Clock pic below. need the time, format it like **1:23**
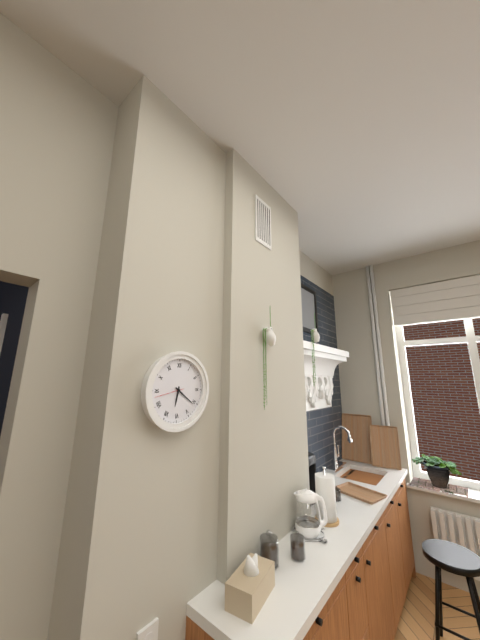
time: **6:21**
